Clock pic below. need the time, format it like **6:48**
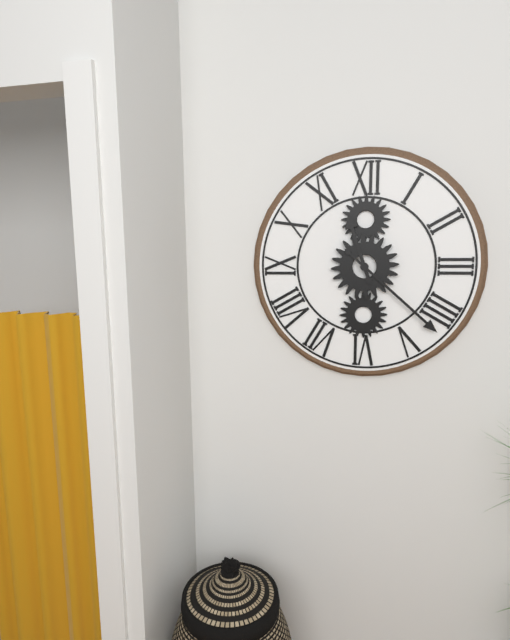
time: **11:22**
